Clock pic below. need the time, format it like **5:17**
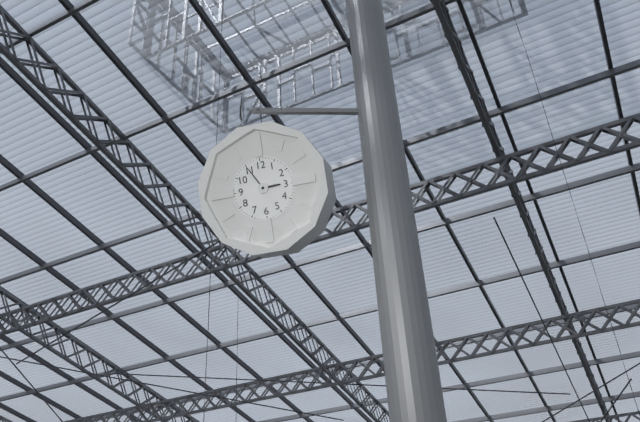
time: **2:55**
